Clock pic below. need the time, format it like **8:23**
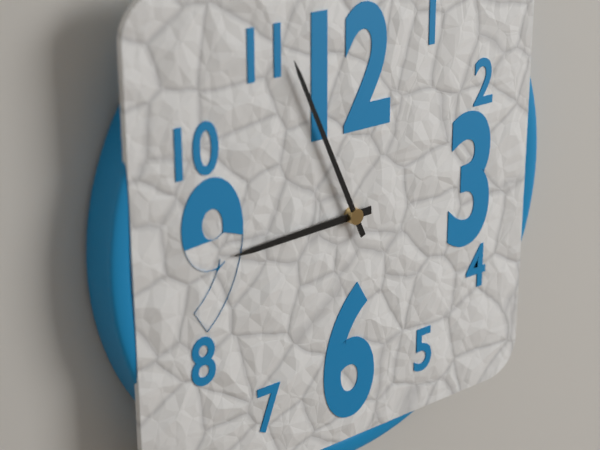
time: **8:56**
